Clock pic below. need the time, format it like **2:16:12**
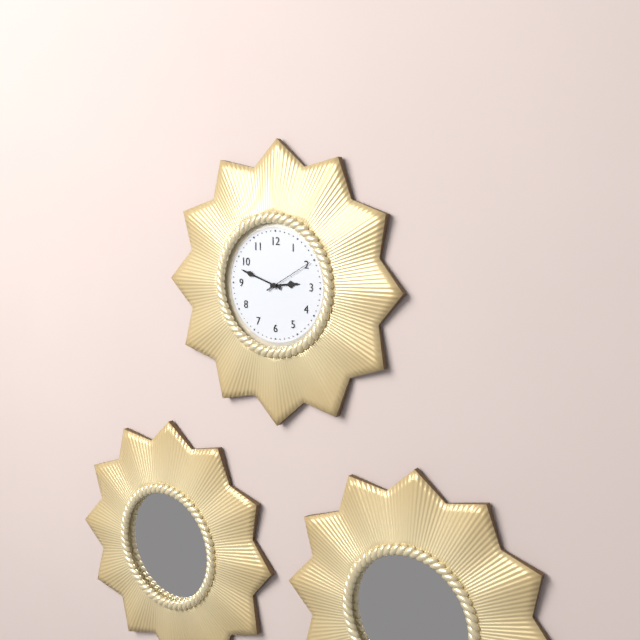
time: **2:48:10**
